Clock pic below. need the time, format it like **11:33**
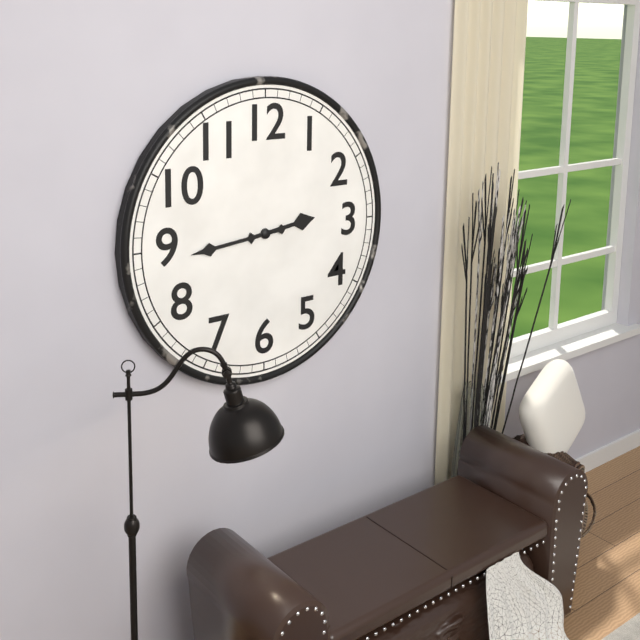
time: **2:44**
